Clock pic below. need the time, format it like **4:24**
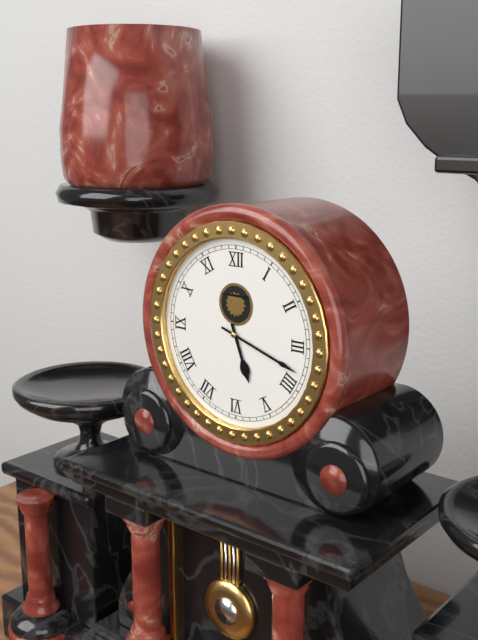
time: **5:18**
